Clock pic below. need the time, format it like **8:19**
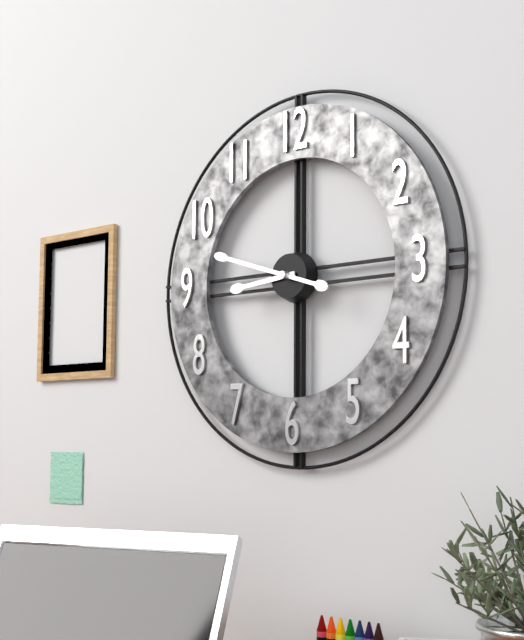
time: **8:48**
